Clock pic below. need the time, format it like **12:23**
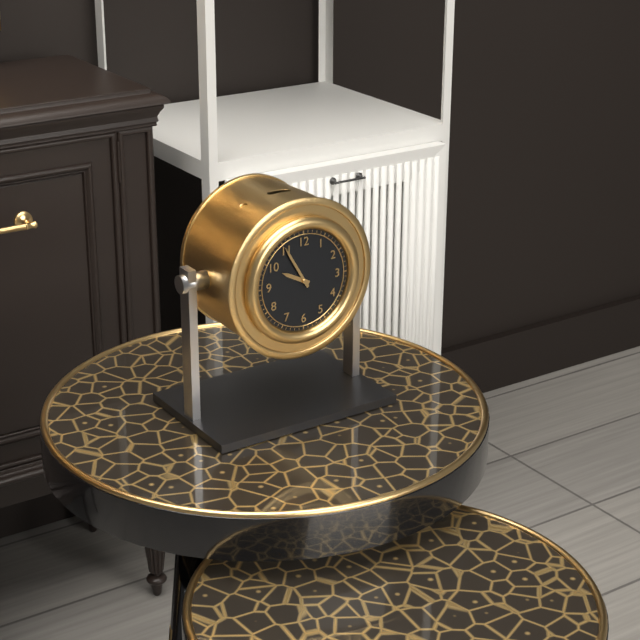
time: **9:55**
